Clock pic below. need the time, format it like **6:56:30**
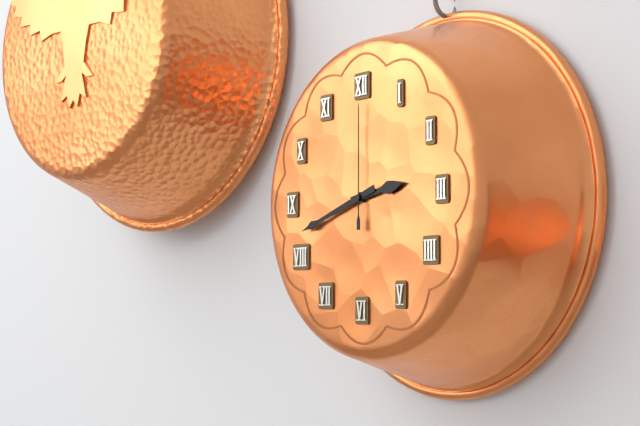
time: **2:42:00**
